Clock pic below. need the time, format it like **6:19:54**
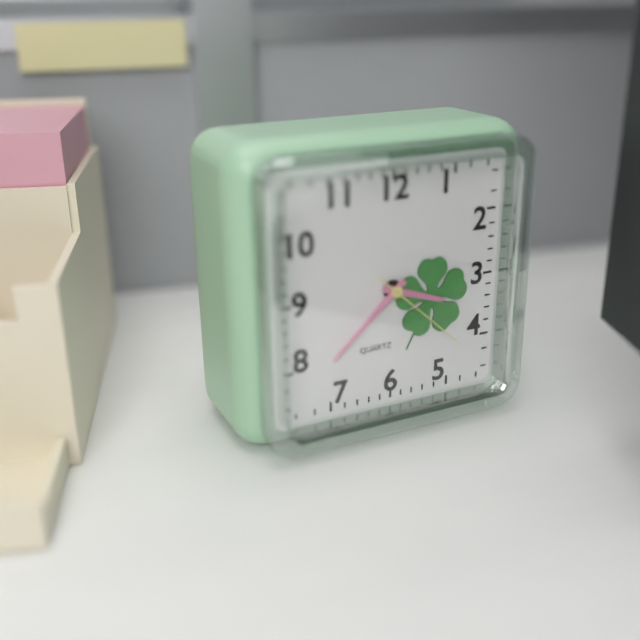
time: **3:38:22**
